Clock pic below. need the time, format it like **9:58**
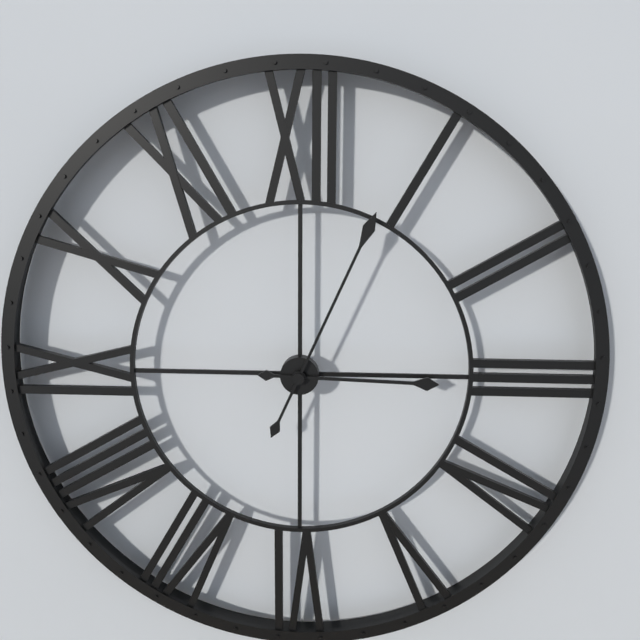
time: **3:04**
